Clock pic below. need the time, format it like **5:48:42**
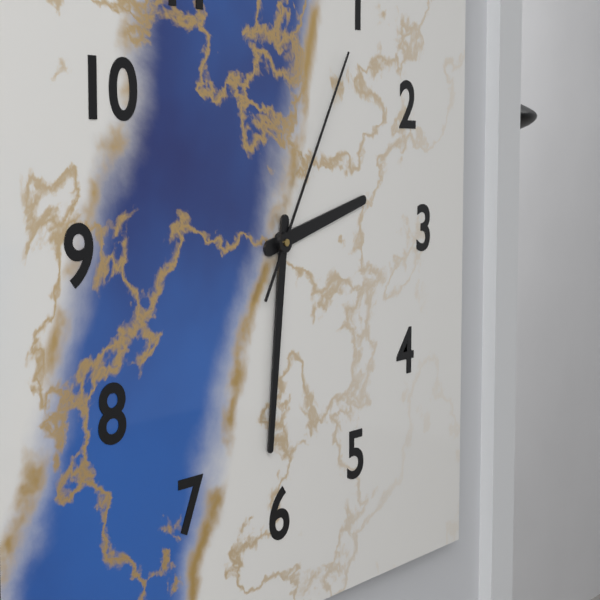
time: **2:31:05**
